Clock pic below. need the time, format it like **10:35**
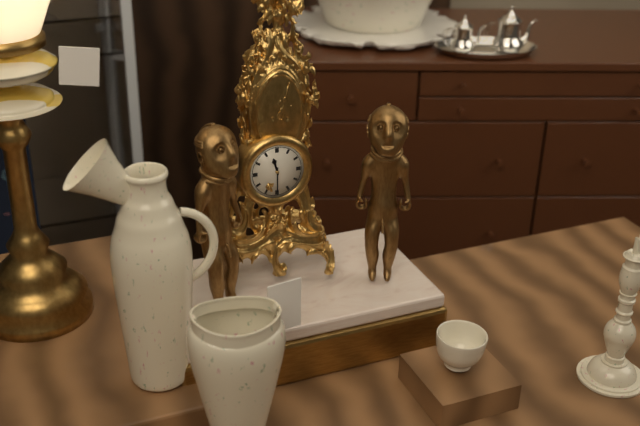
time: **11:30**
